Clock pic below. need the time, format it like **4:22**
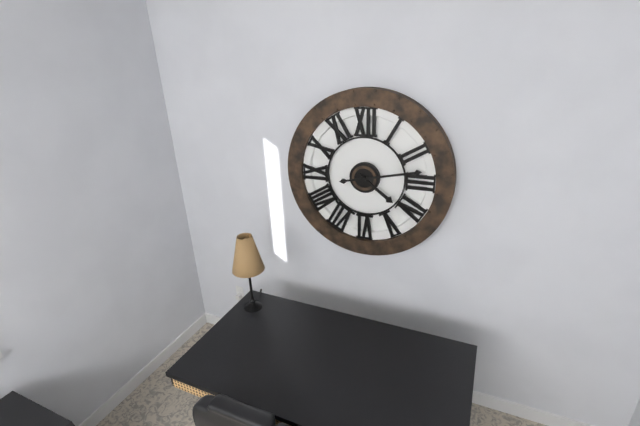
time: **4:13**
